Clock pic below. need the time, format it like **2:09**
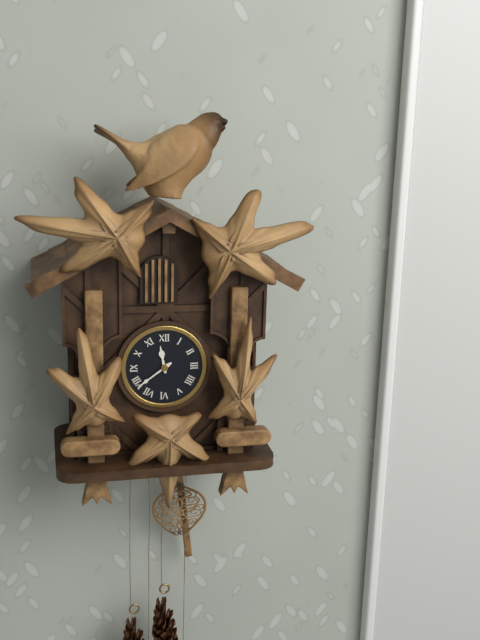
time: **11:39**
